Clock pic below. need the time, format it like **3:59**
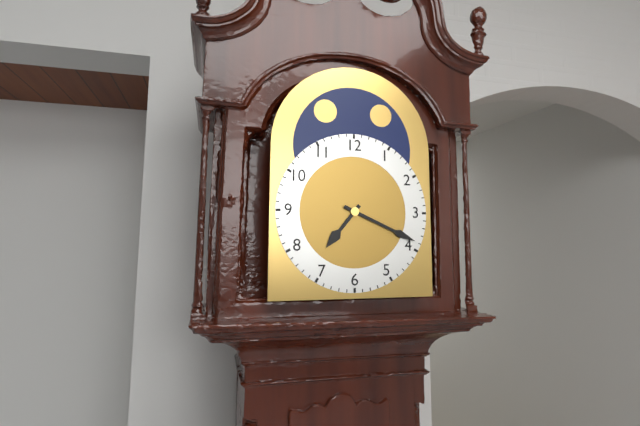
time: **7:19**
